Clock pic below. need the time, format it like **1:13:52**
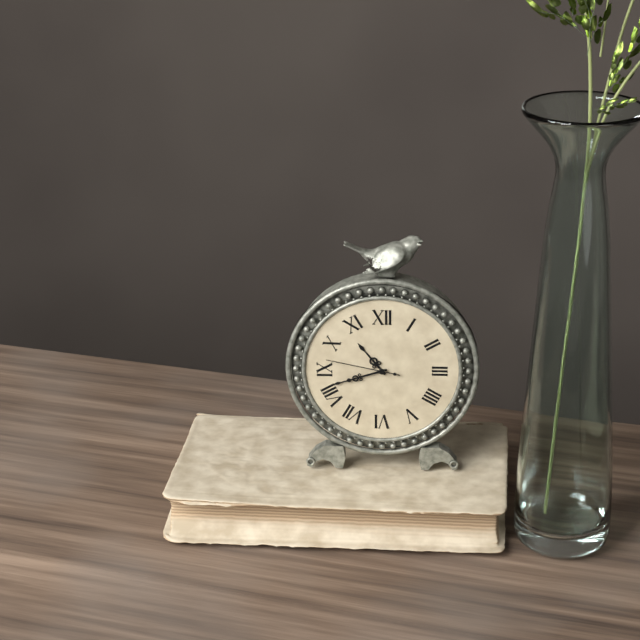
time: **10:42:47**
